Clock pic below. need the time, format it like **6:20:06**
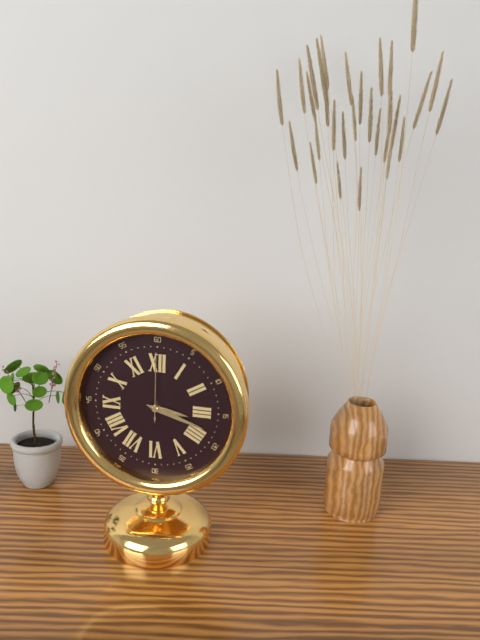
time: **3:18:00**
